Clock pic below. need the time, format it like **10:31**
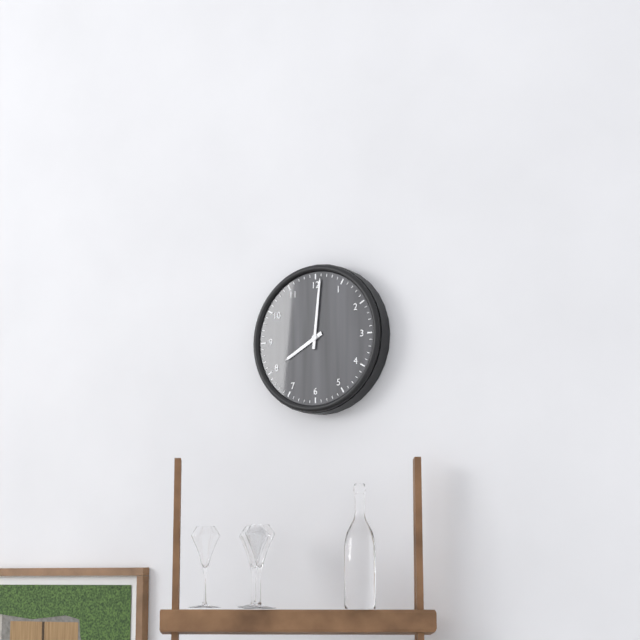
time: **8:01**
